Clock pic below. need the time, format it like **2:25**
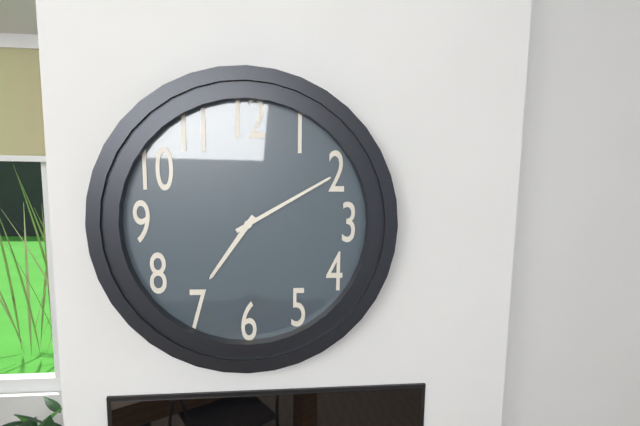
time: **7:10**
